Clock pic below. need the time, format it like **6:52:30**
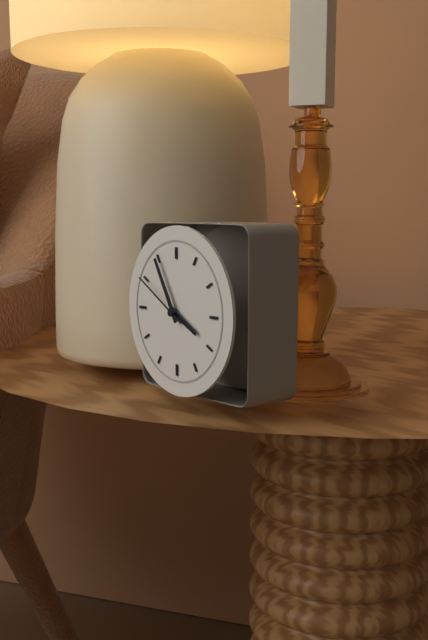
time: **3:55:50**
